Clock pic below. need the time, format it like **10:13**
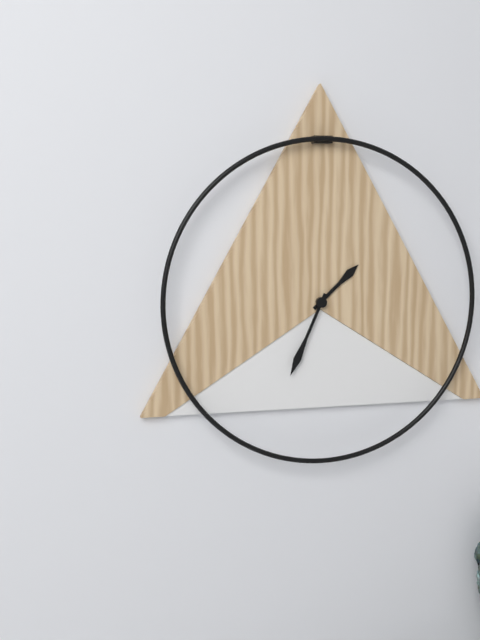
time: **1:34**
